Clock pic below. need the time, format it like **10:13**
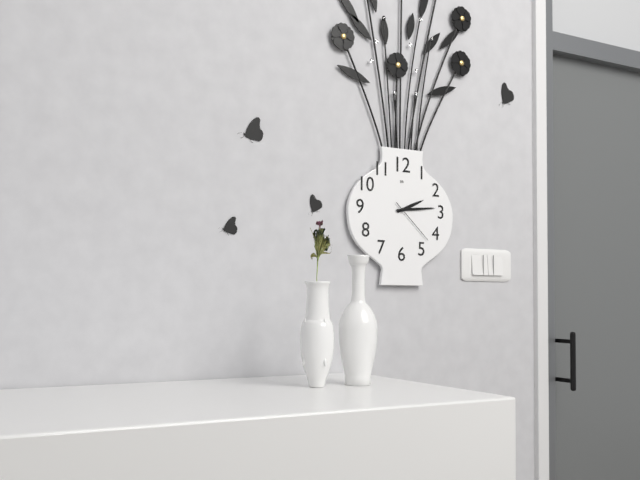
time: **2:14**
